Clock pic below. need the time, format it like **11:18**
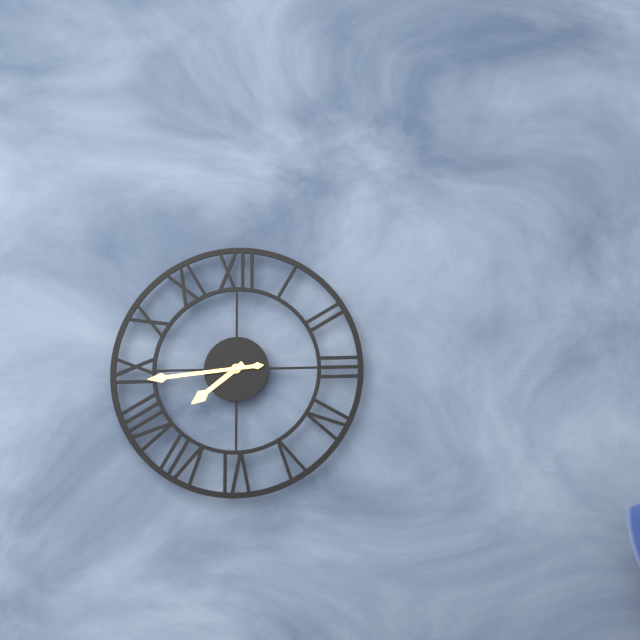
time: **7:44**
